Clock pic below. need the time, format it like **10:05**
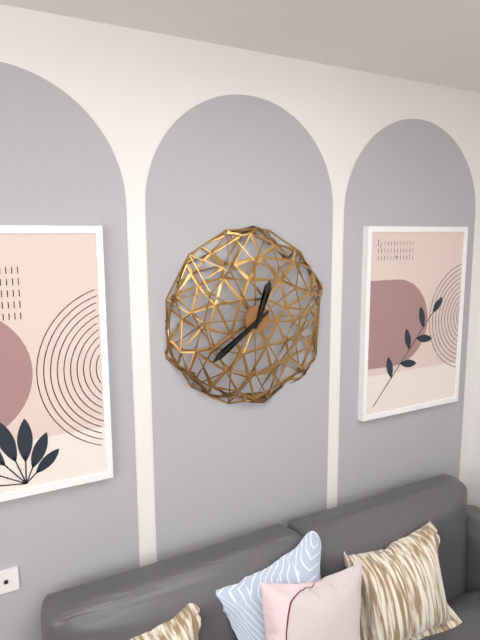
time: **12:39**
